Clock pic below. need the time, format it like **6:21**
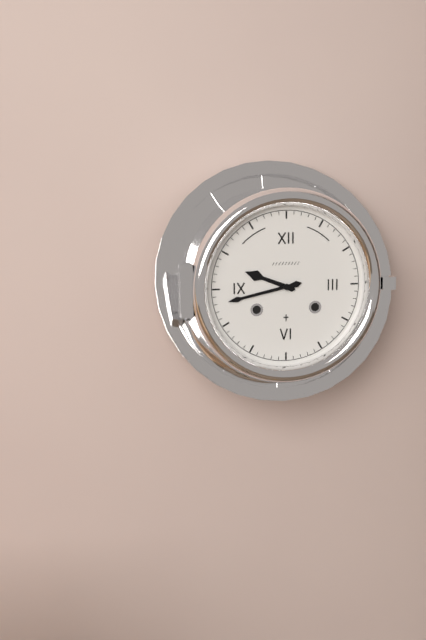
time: **9:43**
